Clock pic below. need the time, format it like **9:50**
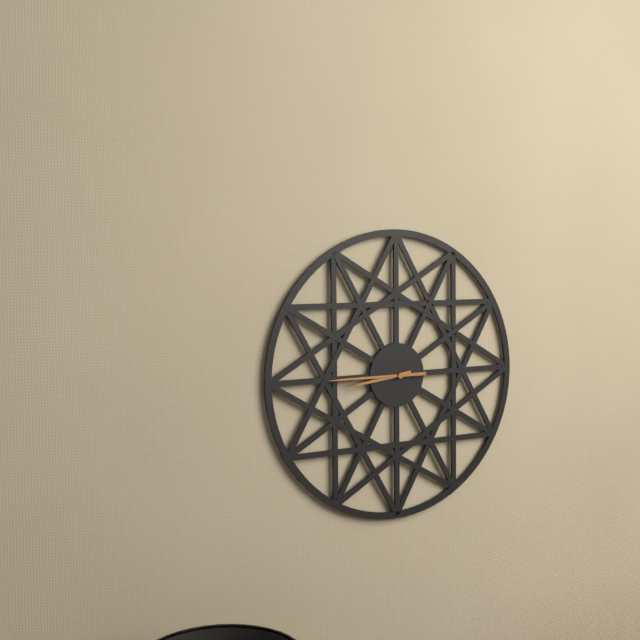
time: **8:45**
